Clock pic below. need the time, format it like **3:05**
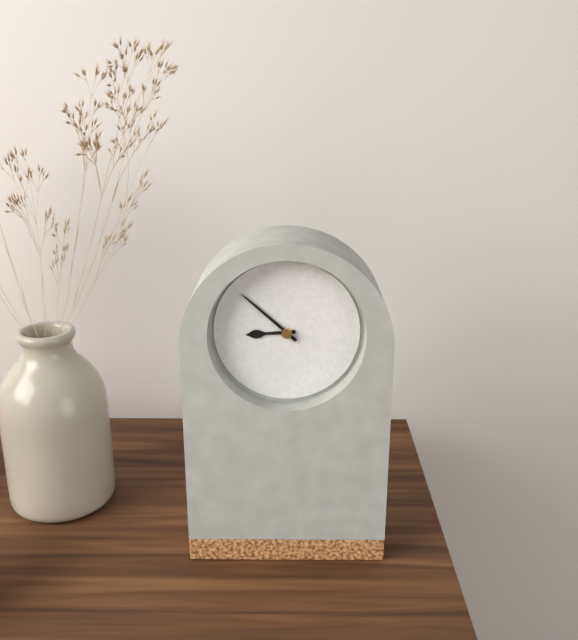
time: **8:52**
